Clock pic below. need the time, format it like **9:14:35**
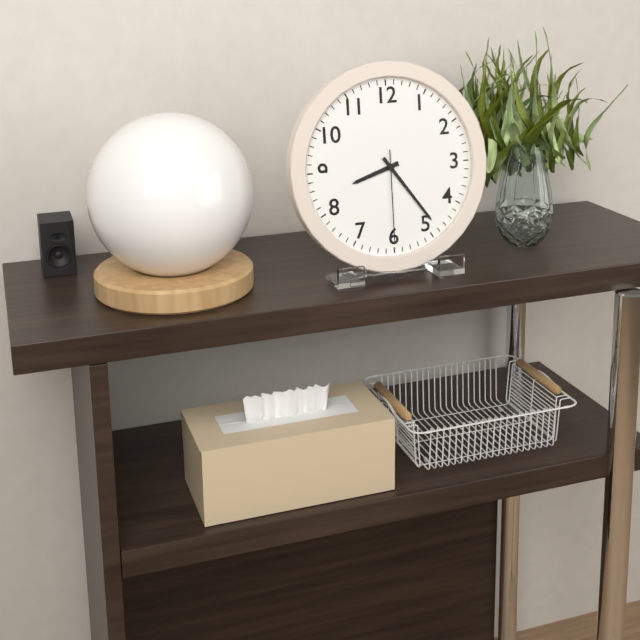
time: **8:24:30**
